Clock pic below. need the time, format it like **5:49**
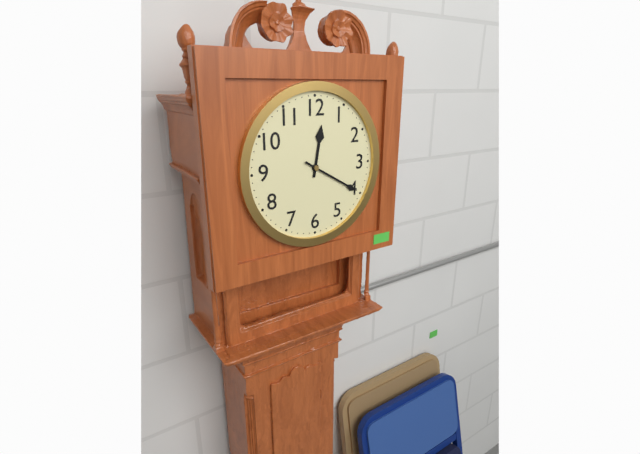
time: **12:20**
